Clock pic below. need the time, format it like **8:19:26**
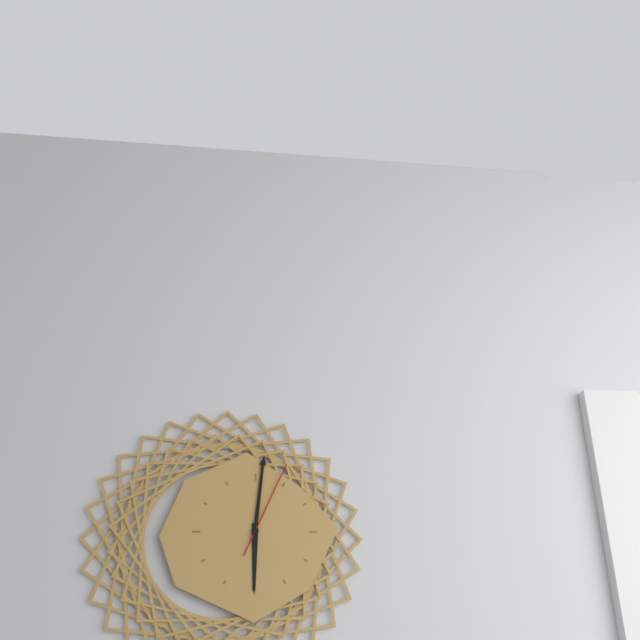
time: **6:01:04**
